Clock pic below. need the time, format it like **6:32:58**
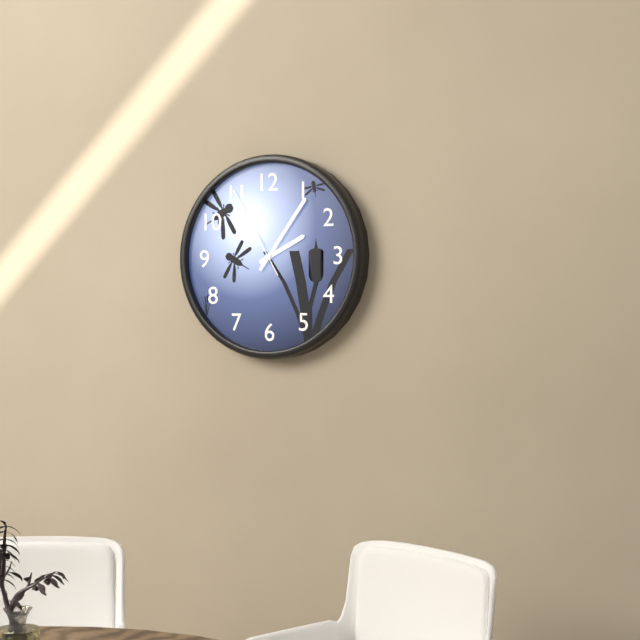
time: **2:06:55**
